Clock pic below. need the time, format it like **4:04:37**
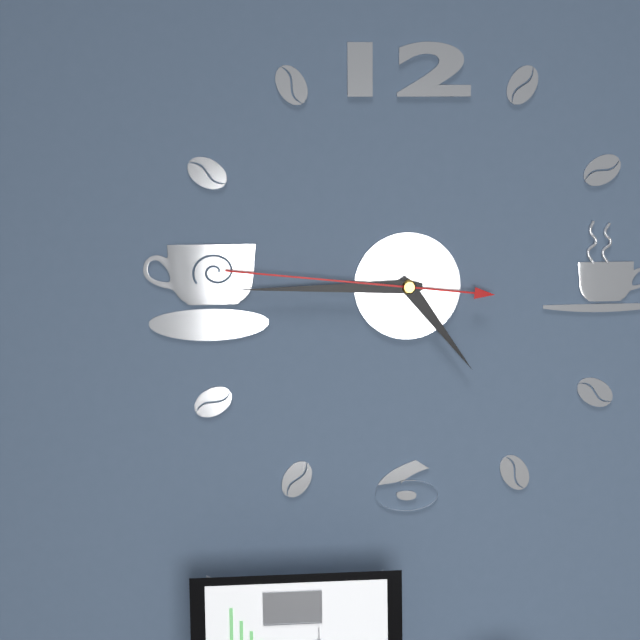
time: **4:45:46**
